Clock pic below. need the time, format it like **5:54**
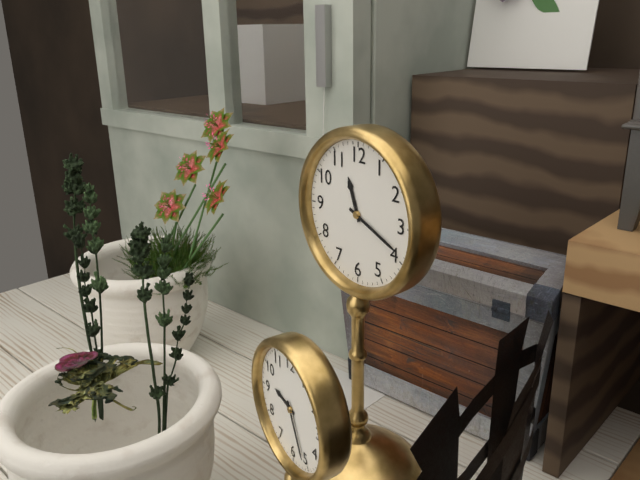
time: **11:19**
